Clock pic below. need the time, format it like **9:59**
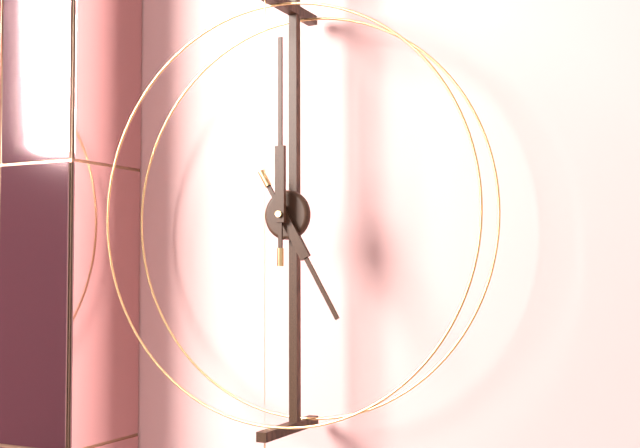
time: **5:00**
